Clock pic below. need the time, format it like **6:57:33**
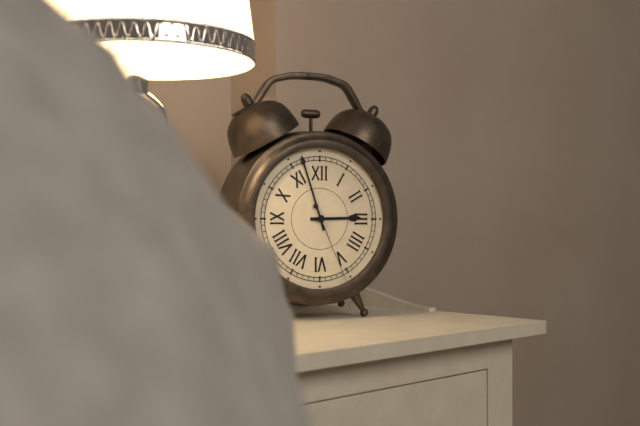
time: **2:57:26**
